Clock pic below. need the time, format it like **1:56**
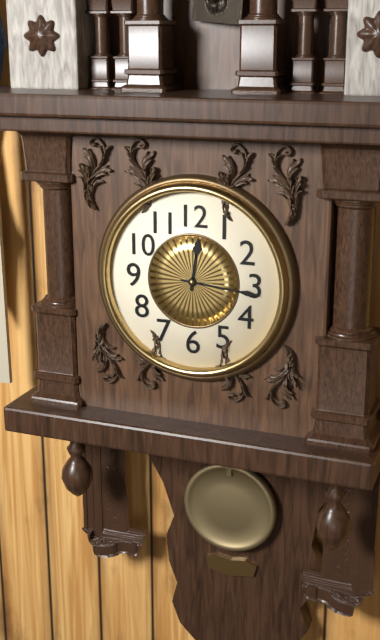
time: **12:16**
